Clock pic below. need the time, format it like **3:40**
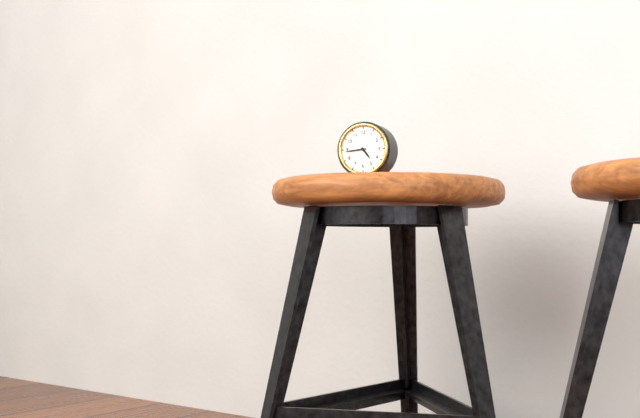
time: **4:44**
